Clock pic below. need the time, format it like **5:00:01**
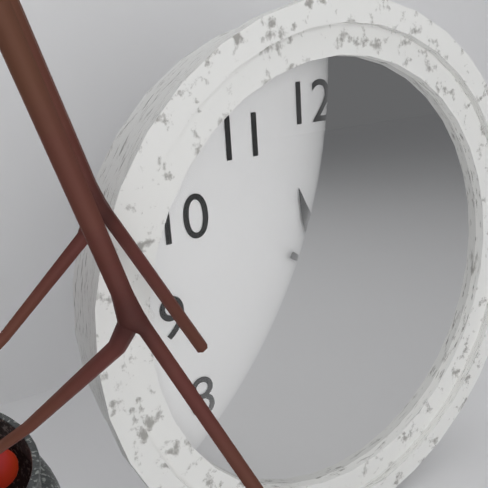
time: **11:29:21**
